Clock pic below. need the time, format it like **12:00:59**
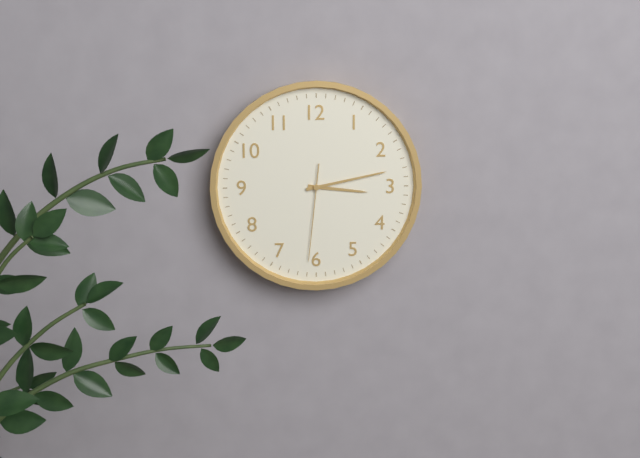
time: **3:13:31**
